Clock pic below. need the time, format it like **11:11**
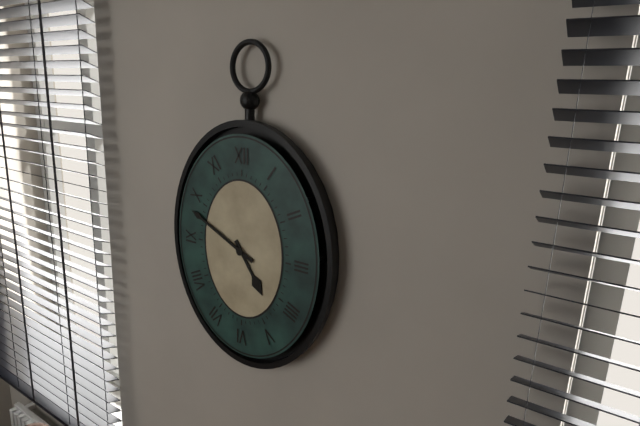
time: **4:49**
